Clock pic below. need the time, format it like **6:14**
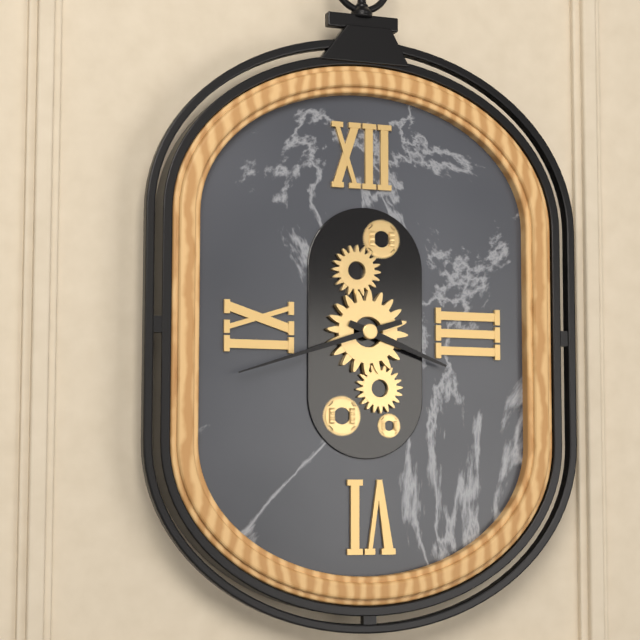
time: **3:42**
